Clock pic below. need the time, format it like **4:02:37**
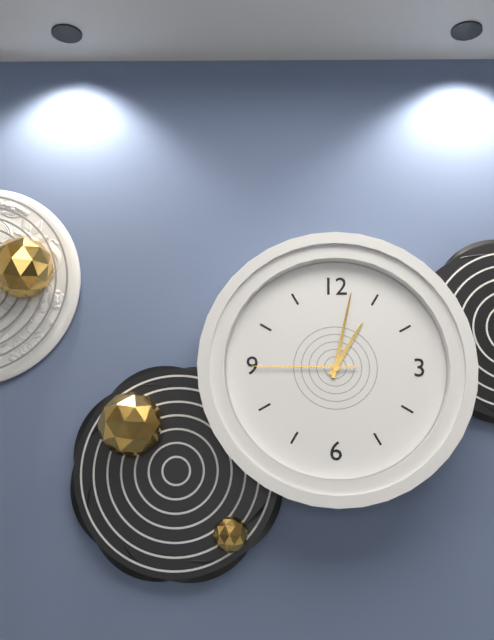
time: **1:02:45**
